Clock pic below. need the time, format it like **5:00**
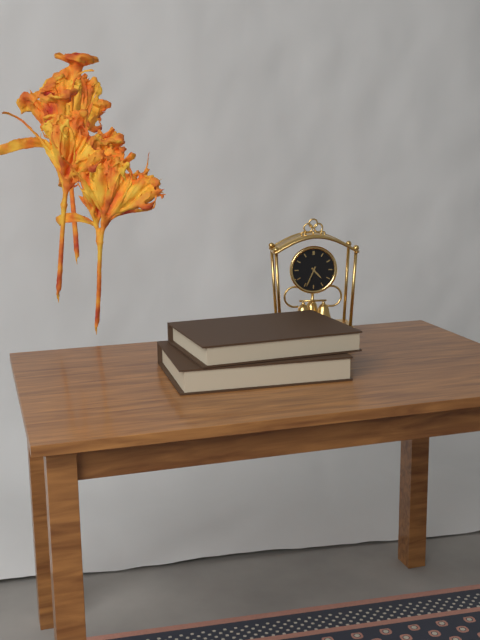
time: **4:34**
